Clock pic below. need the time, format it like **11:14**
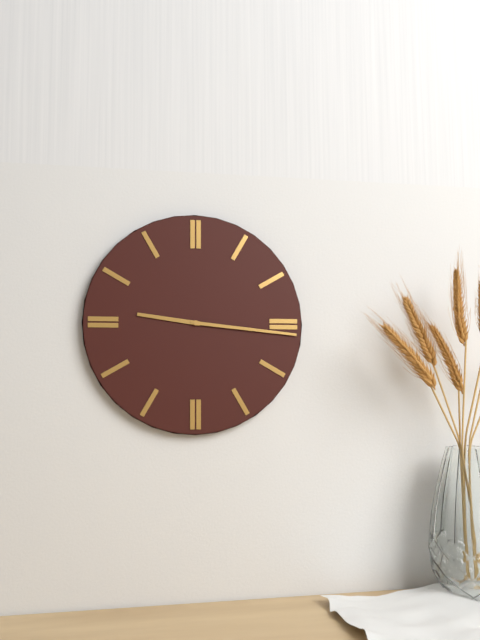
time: **9:16**
